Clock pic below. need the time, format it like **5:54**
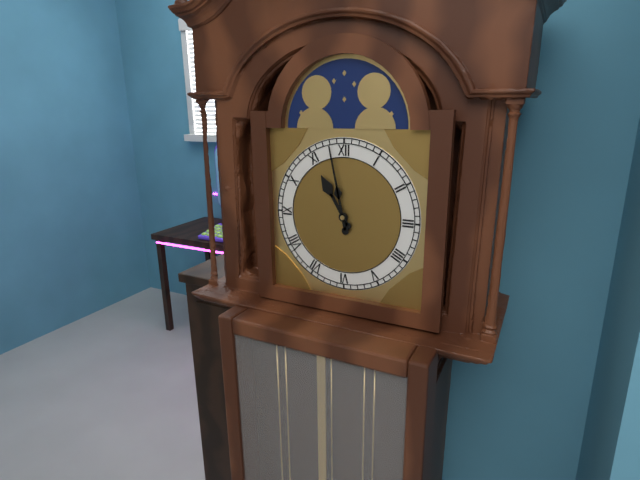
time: **10:58**
